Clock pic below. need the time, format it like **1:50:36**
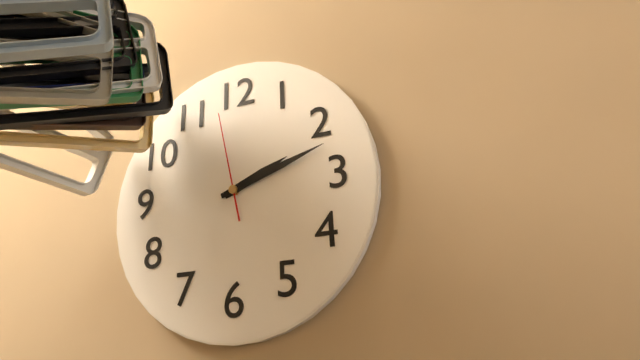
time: **2:12:58**
